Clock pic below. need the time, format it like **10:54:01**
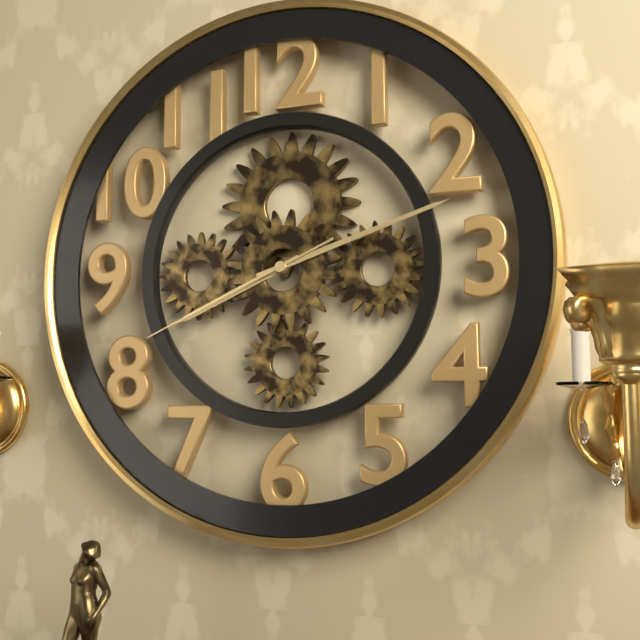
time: **8:12:41**
